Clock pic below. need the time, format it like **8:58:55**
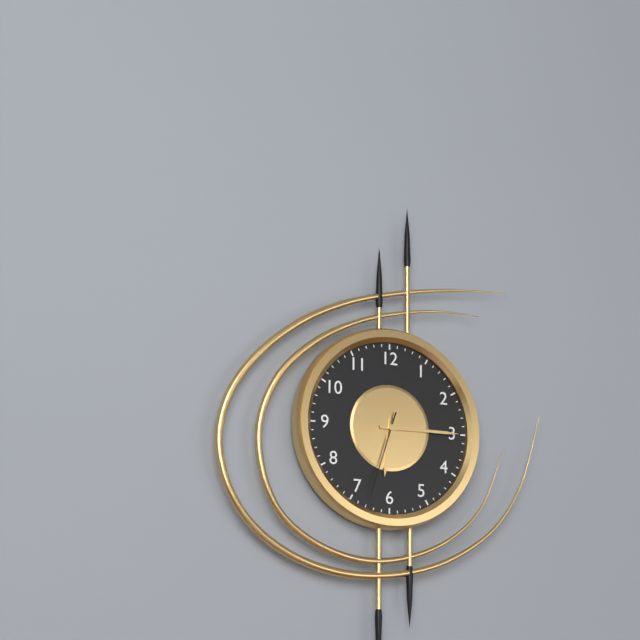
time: **6:15:33**
